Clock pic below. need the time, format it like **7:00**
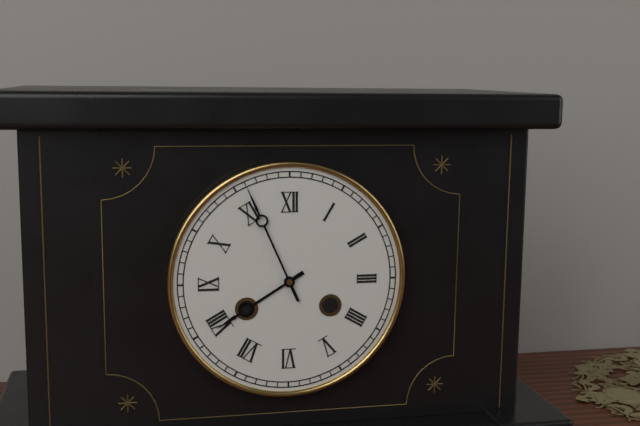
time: **7:56**
